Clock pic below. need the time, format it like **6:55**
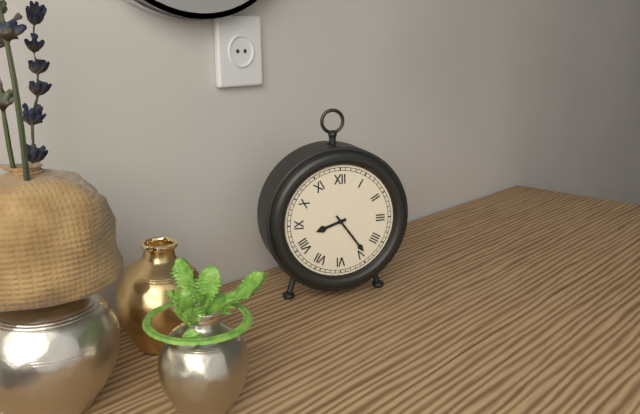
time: **8:24**
